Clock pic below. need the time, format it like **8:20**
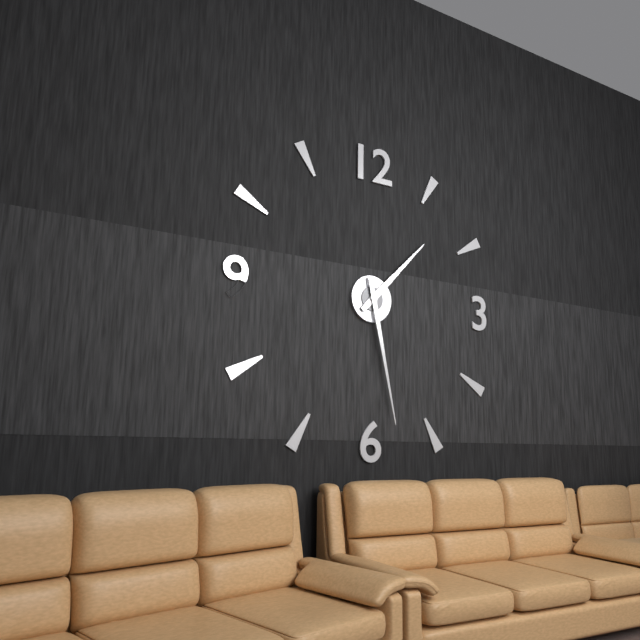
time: **1:28**
